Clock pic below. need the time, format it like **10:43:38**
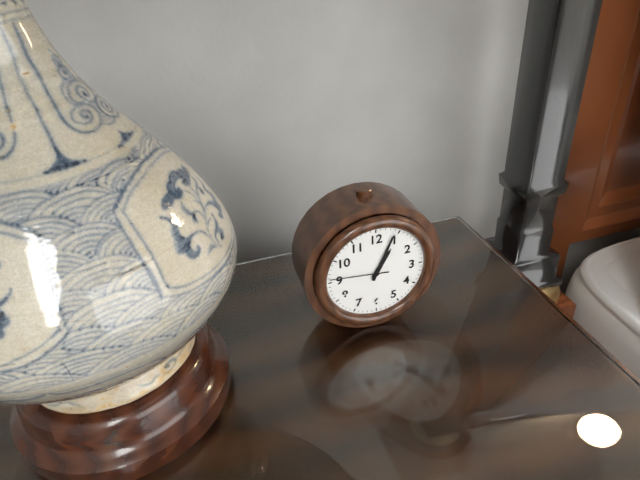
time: **1:04:46**
